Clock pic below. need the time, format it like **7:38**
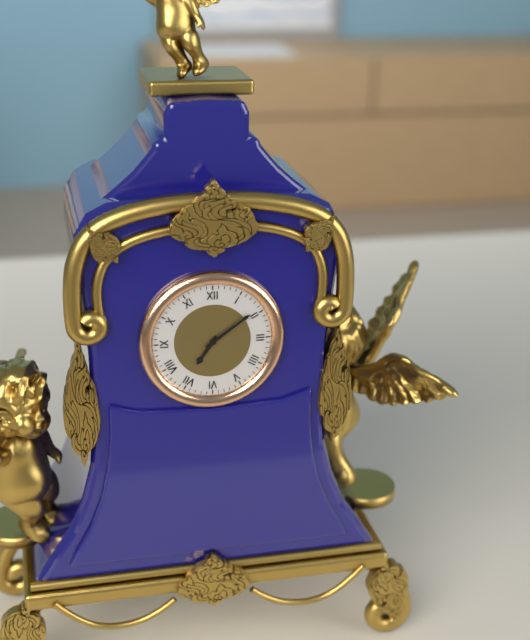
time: **7:09**
